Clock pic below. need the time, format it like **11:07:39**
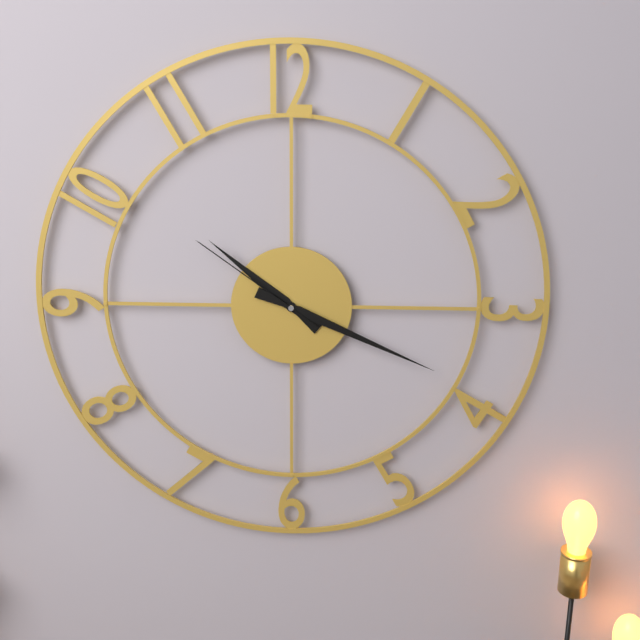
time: **10:19:51**
